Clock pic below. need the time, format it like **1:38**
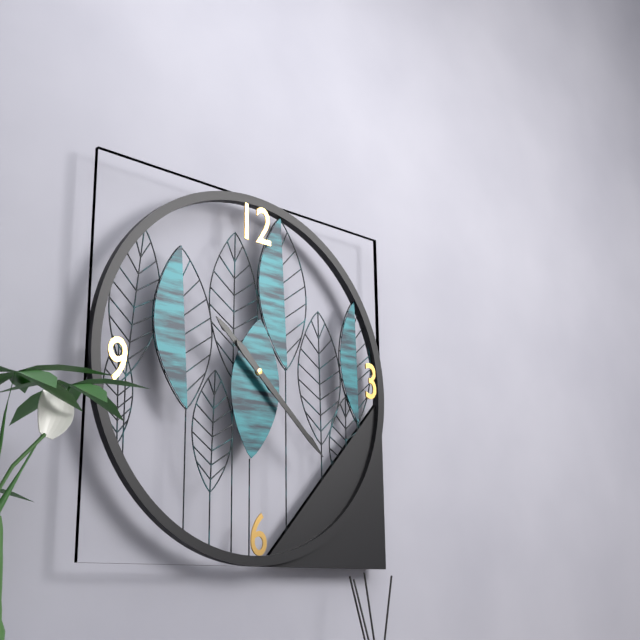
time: **10:22**
